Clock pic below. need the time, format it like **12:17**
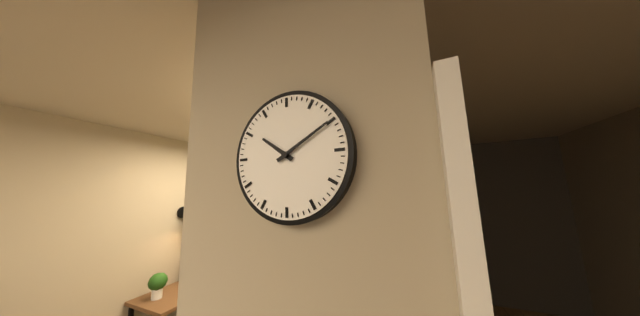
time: **10:10**
